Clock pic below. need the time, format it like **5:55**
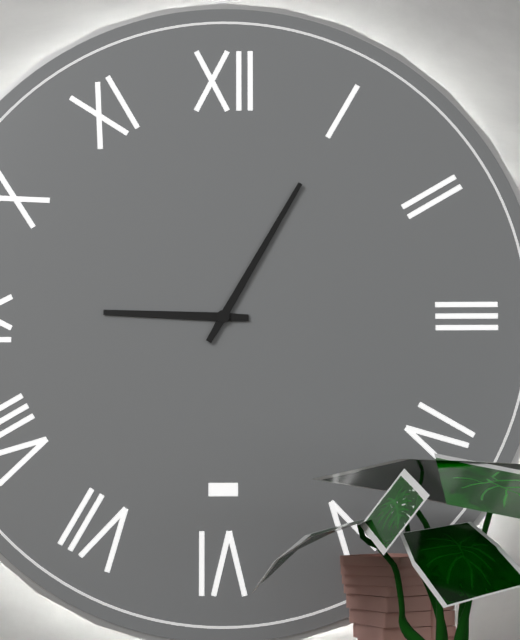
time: **9:05**
